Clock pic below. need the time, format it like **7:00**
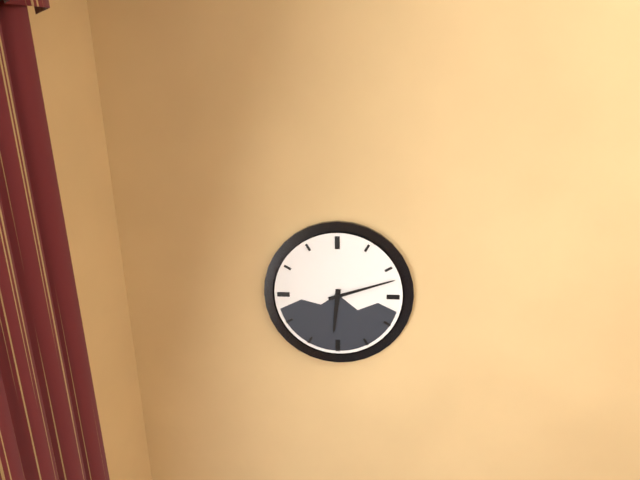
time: **6:12**
